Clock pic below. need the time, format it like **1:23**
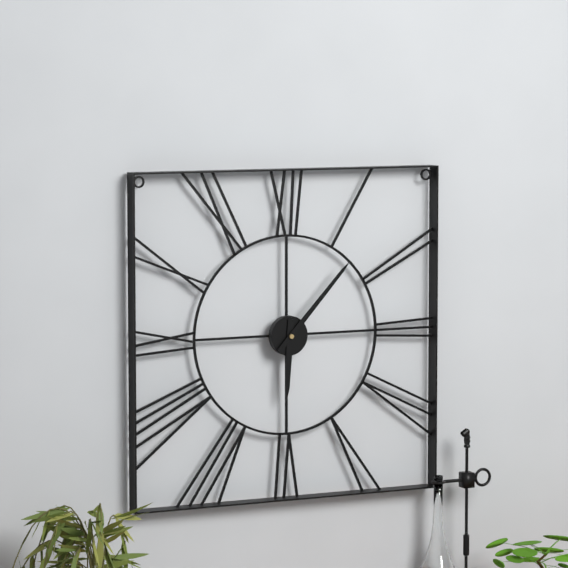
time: **6:07**
